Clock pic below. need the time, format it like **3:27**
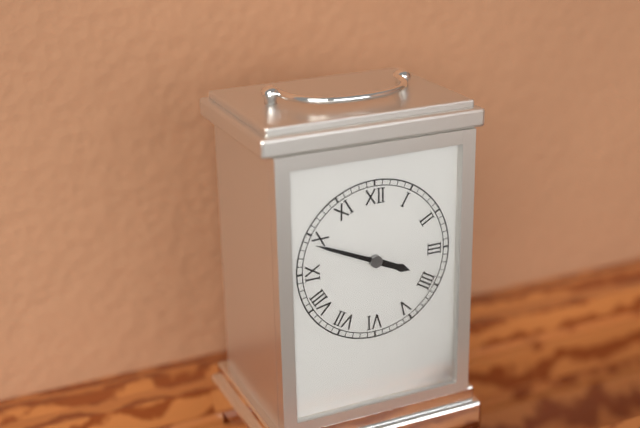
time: **3:49**
